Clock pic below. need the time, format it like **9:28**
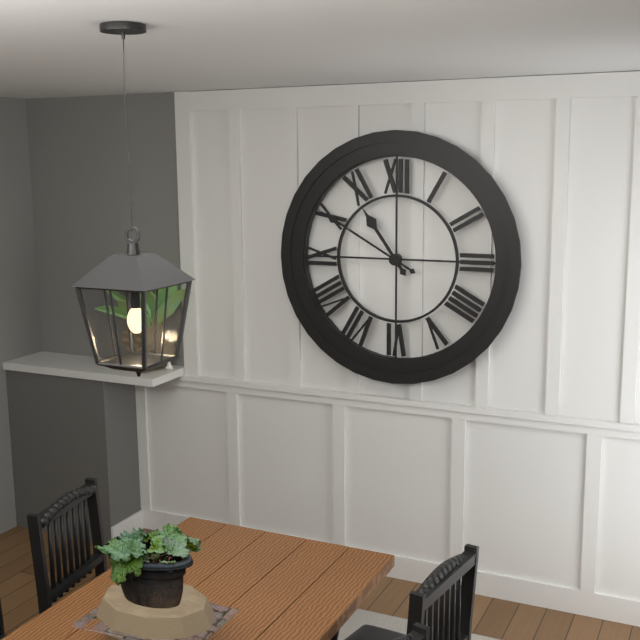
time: **10:50**
